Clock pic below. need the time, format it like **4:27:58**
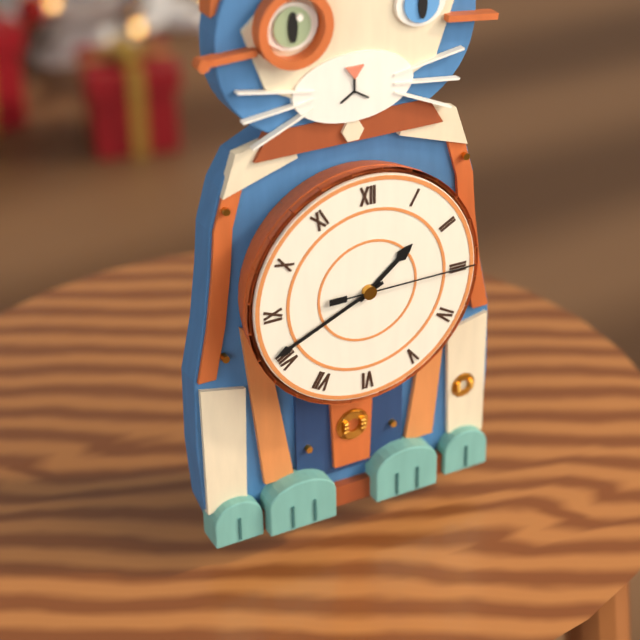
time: **1:41:15**
